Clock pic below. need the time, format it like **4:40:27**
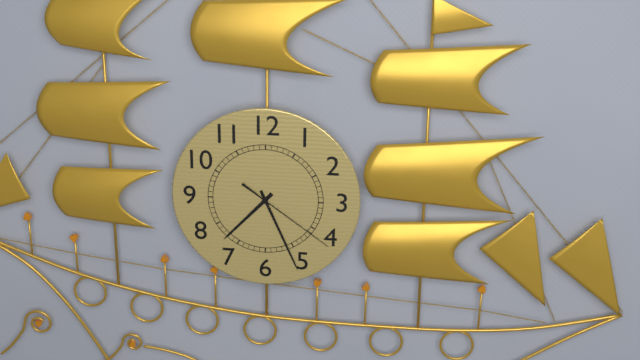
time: **7:26:21**
